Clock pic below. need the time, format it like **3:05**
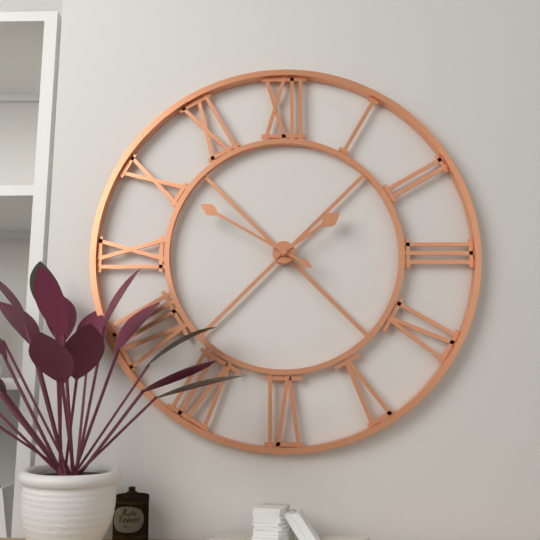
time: **1:50**
